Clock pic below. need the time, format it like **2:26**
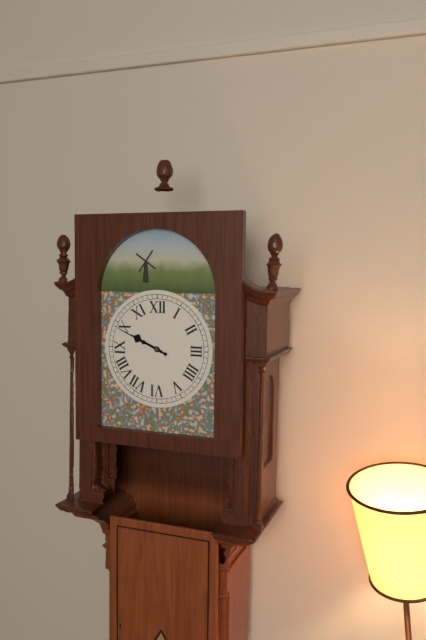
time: **9:49**
